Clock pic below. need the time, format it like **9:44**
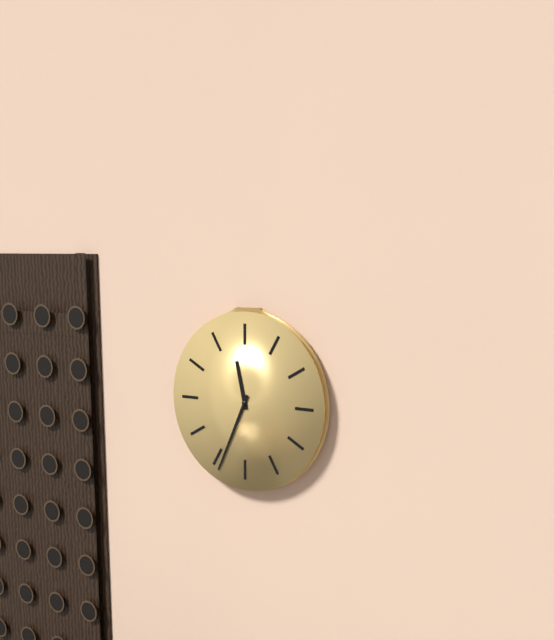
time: **11:34**
